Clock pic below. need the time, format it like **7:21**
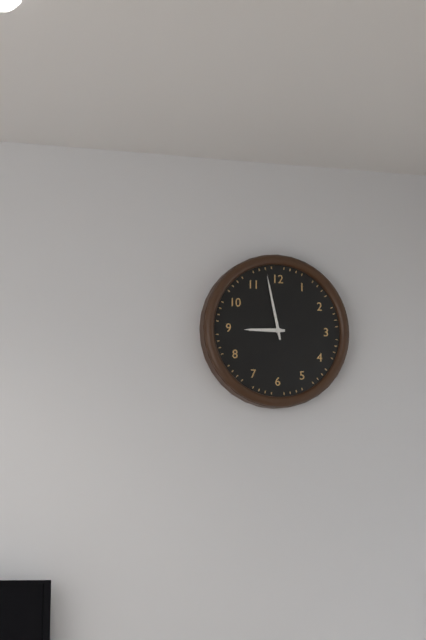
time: **8:58**
